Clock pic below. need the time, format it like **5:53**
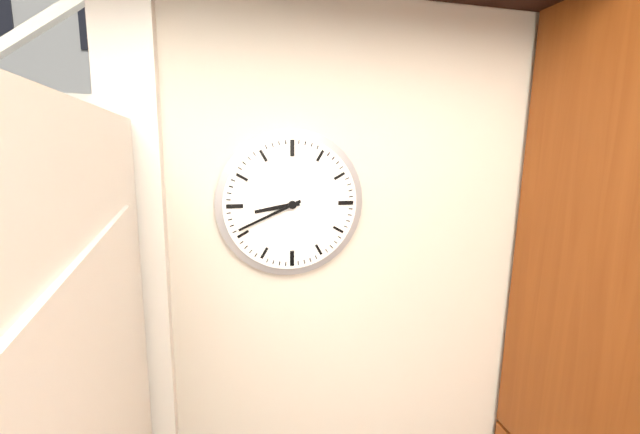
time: **8:41**
